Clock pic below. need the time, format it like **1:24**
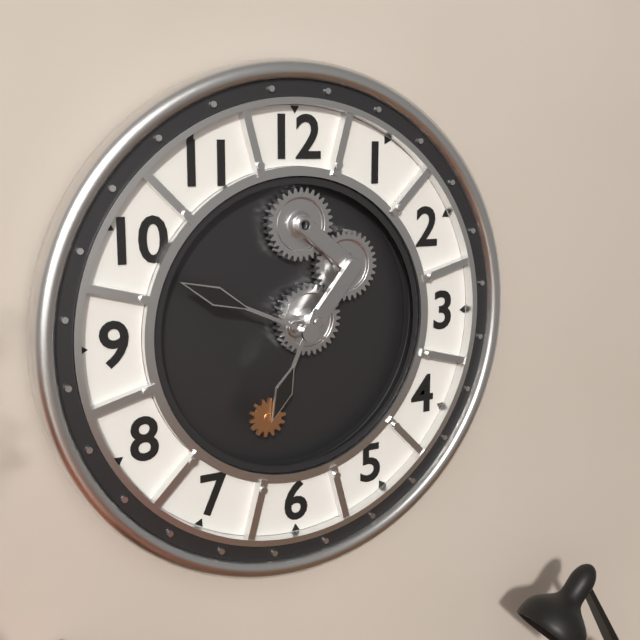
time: **6:49**
